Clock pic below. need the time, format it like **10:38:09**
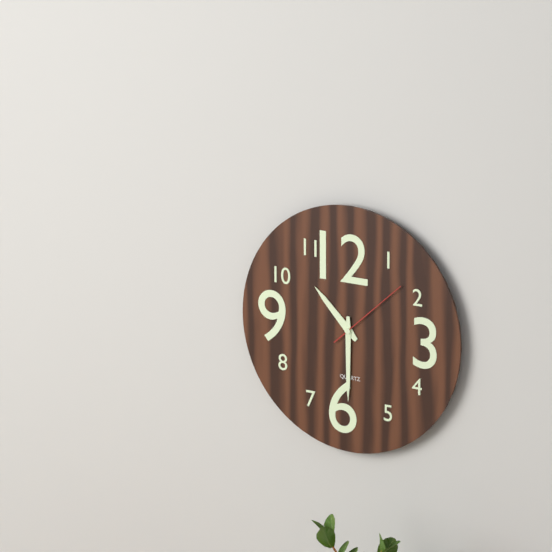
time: **10:30:08**
